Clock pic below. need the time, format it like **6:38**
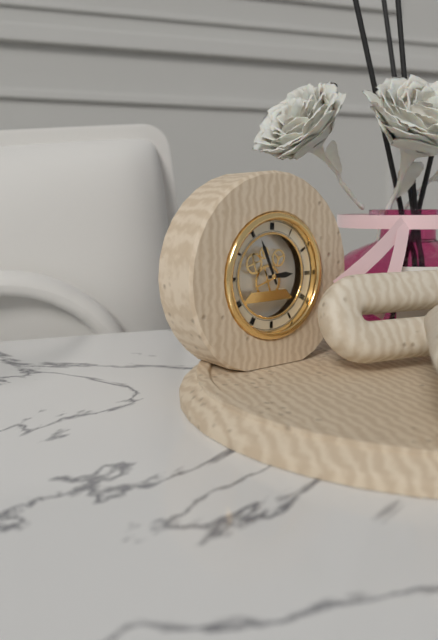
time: **2:56**
